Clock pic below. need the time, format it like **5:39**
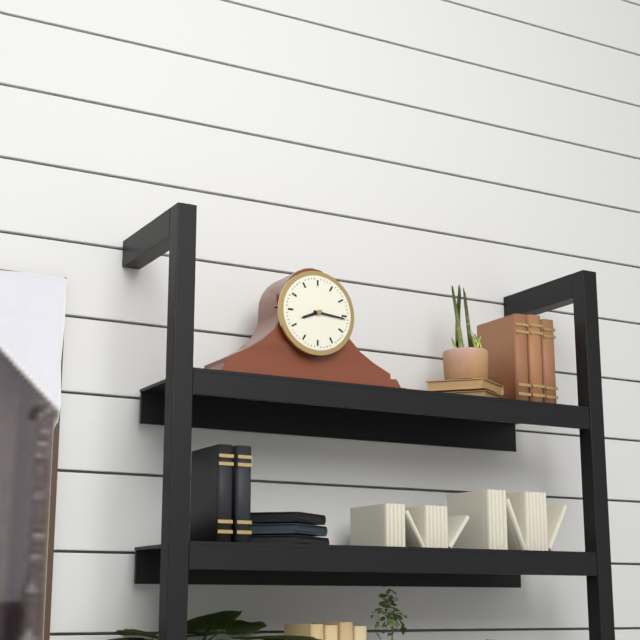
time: **8:16**
